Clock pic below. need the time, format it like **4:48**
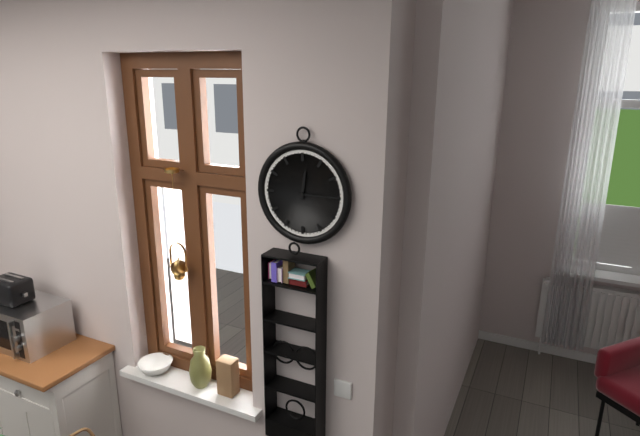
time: **12:15**
